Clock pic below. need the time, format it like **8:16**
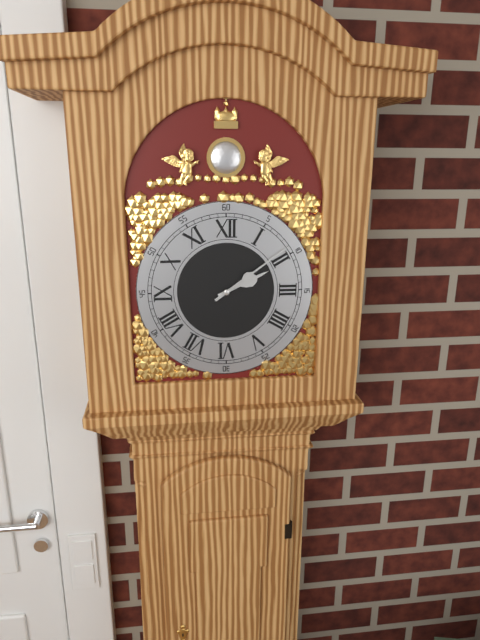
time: **2:09**
